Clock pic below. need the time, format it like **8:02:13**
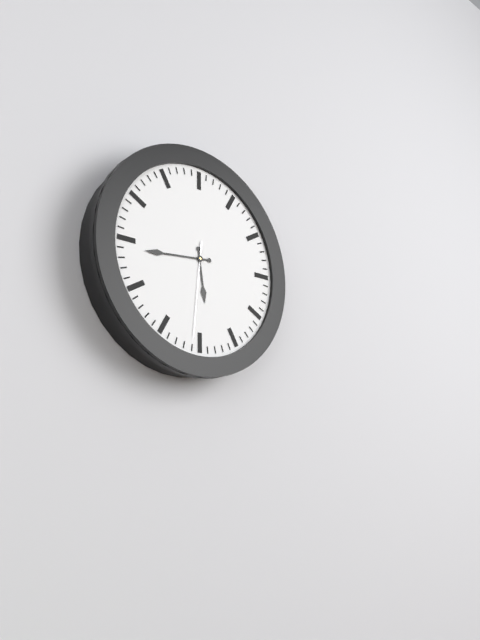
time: **5:44:31**
